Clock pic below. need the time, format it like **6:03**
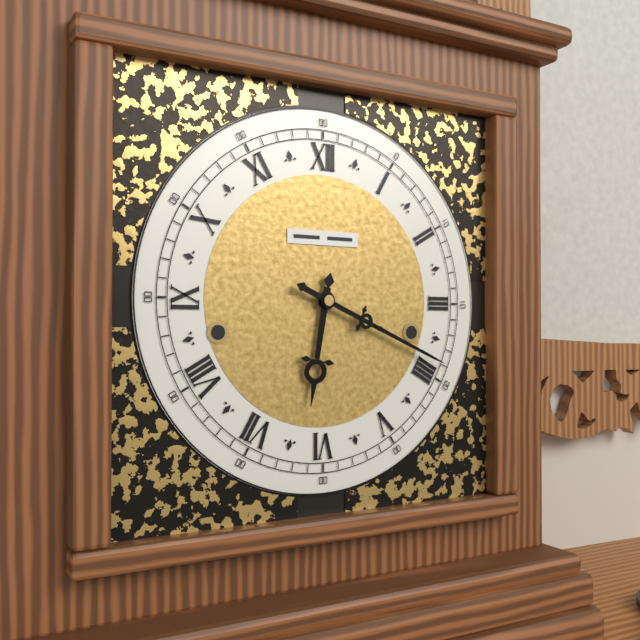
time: **6:19**
